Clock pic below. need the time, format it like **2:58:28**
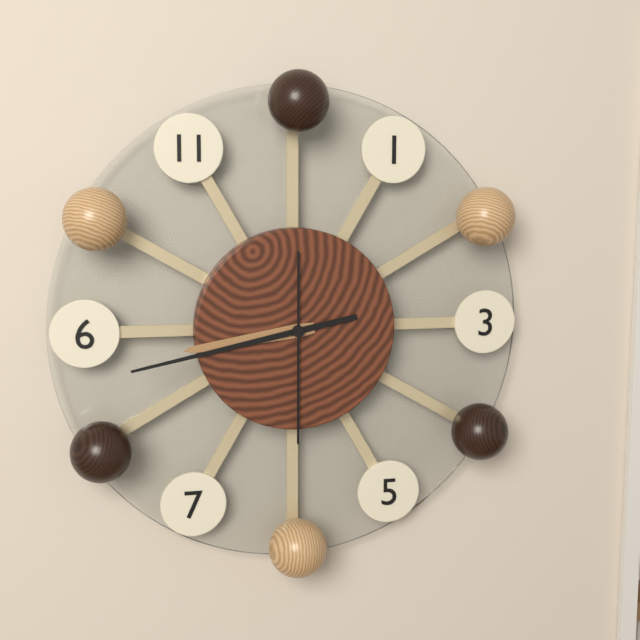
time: **8:43:30**
